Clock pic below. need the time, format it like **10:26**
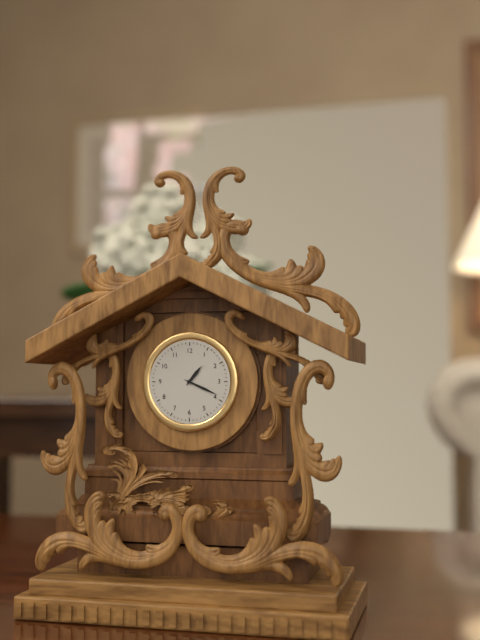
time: **1:19**
